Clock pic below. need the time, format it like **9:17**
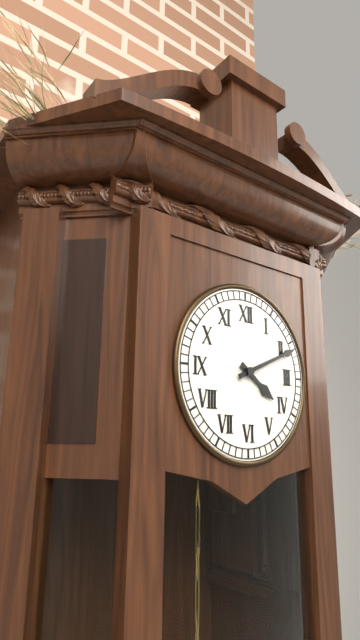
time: **4:11**
